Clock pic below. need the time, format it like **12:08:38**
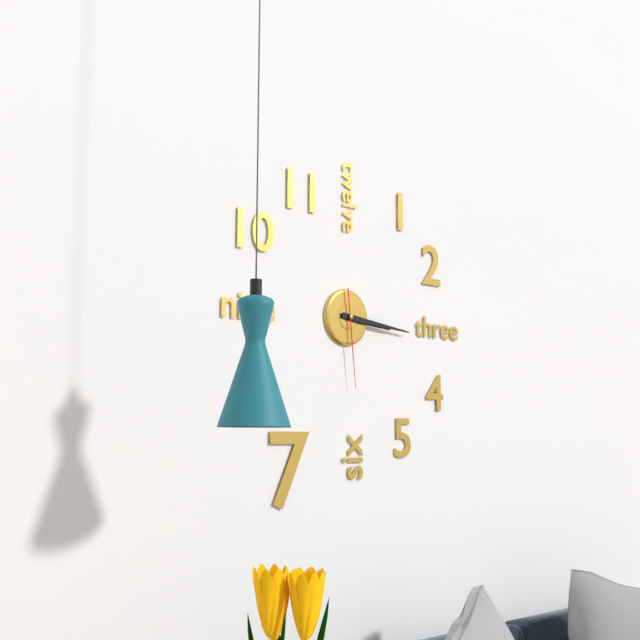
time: **3:16:29**
